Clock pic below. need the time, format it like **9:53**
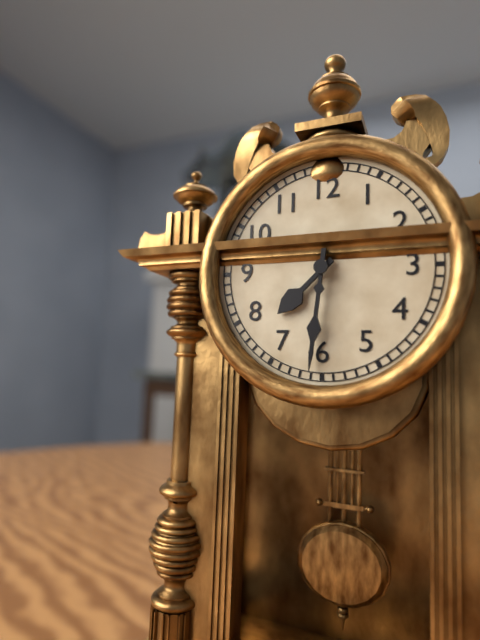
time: **7:31**
